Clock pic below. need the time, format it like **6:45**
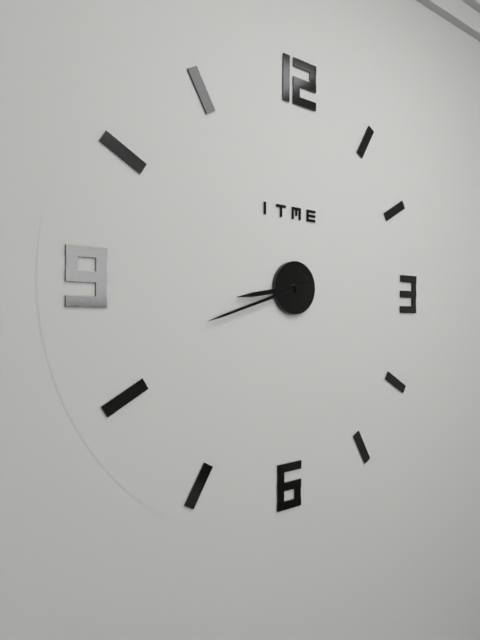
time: **8:42**
